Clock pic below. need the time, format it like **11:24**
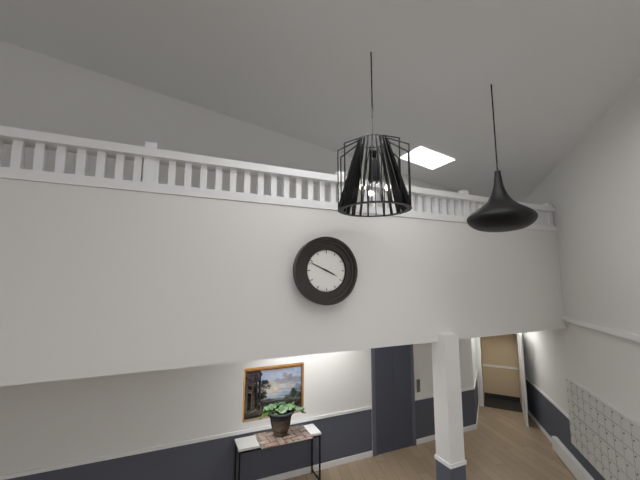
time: **3:49**
